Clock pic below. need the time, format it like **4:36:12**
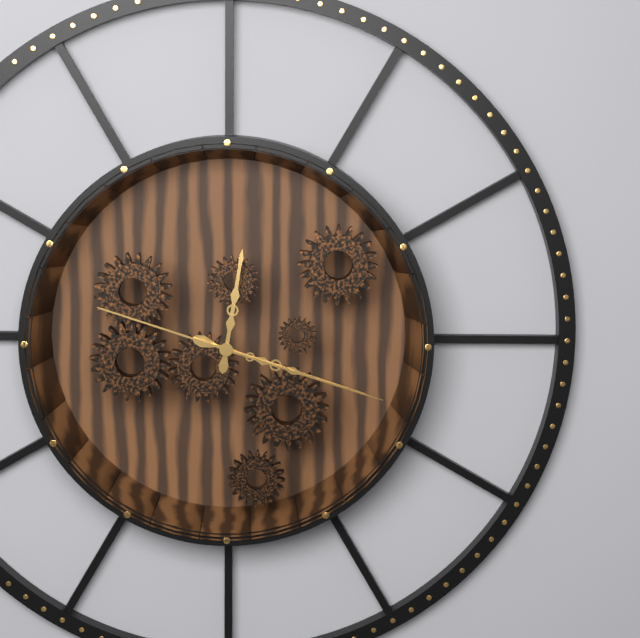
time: **12:18:18**
